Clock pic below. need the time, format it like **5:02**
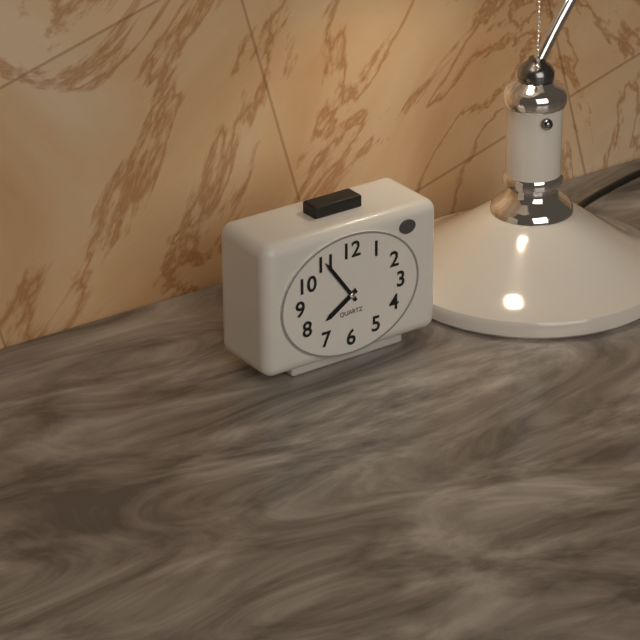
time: **7:54**
